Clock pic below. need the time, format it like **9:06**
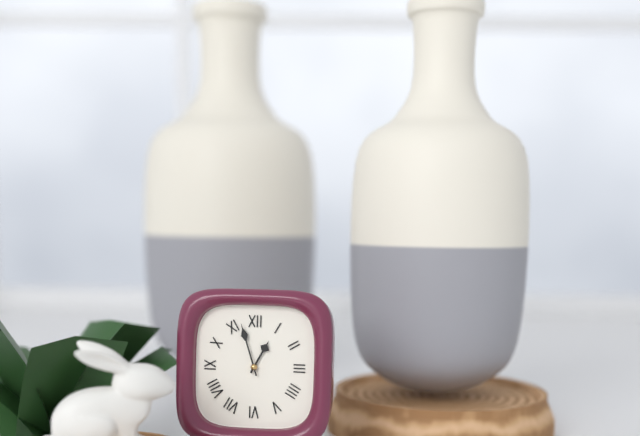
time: **12:57**
